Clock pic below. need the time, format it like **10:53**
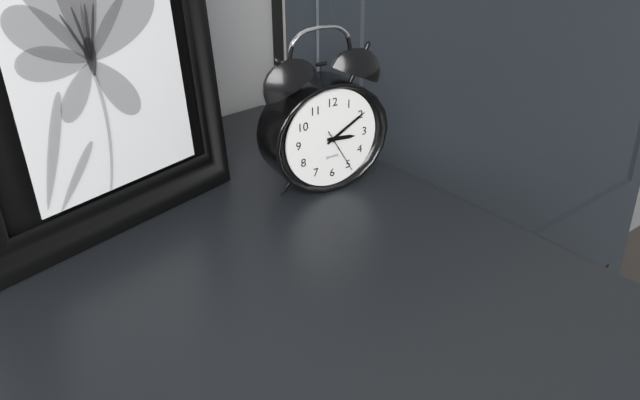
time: **3:10**
